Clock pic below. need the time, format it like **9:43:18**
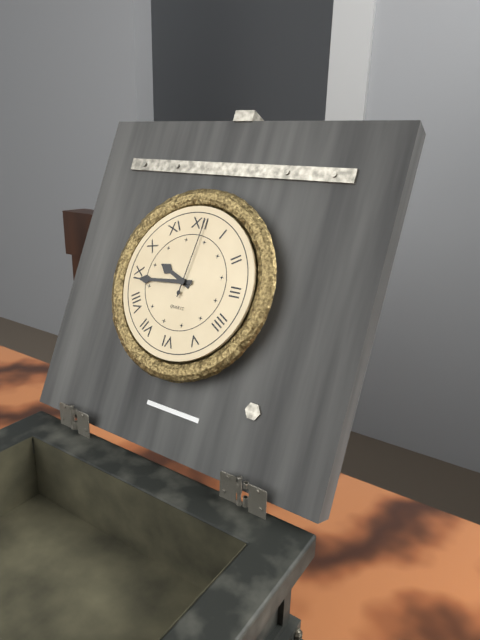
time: **9:44:01**
